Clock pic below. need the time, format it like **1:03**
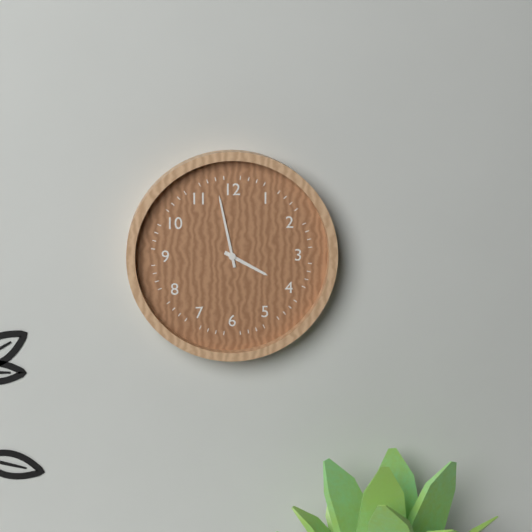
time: **3:58**
